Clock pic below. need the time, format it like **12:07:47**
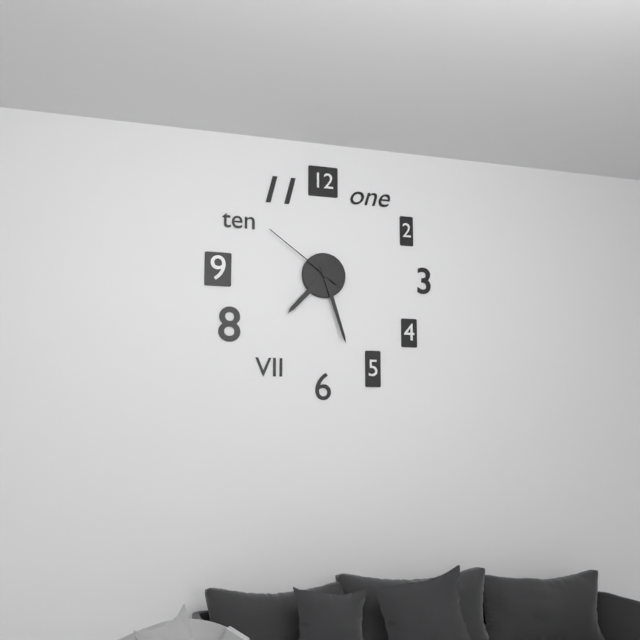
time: **7:27:51**
